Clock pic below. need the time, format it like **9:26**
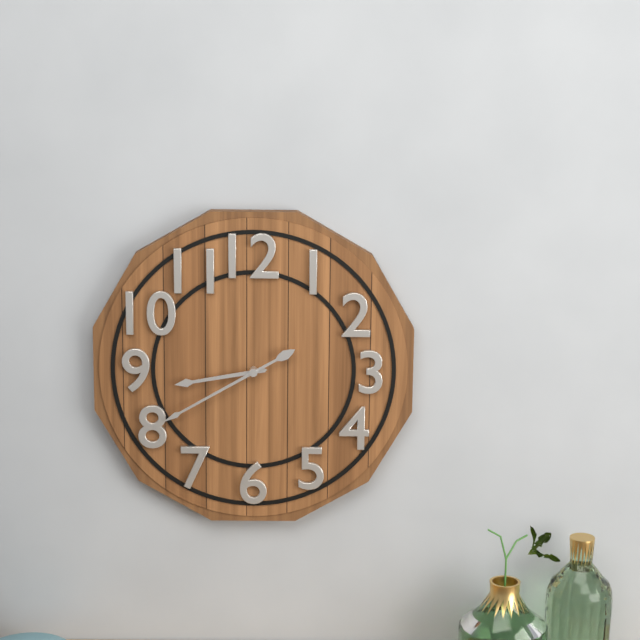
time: **8:40**
